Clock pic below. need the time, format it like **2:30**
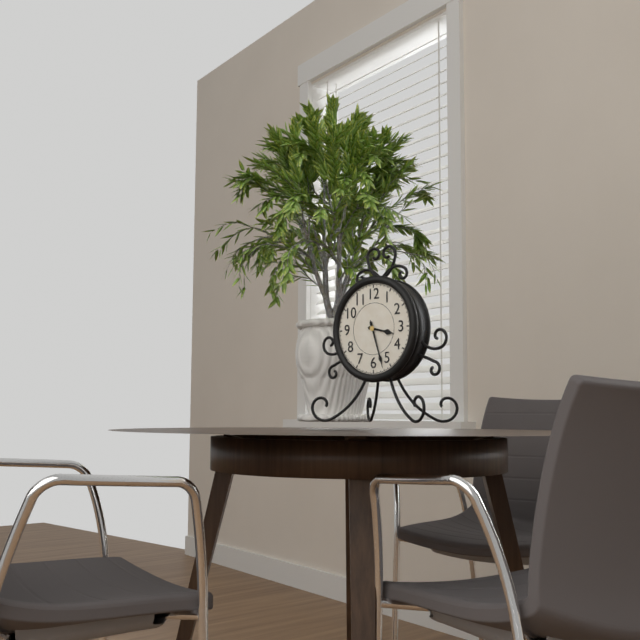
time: **3:27**
